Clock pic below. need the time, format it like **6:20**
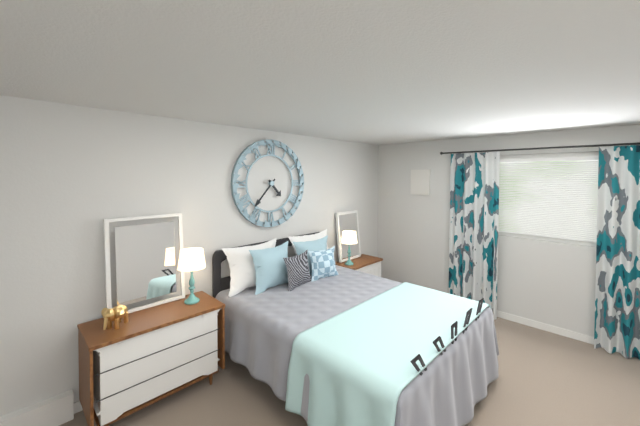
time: **4:37**
